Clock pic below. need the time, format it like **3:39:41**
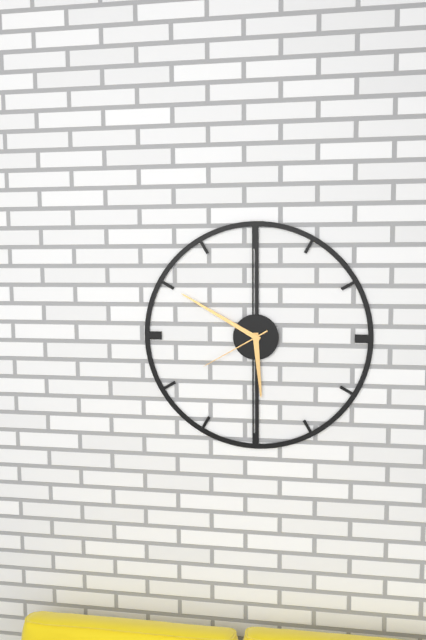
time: **5:50:40**
